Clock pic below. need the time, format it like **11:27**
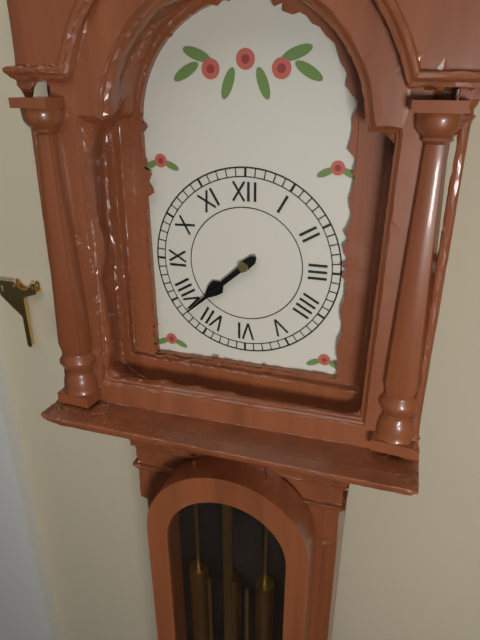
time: **7:38**
